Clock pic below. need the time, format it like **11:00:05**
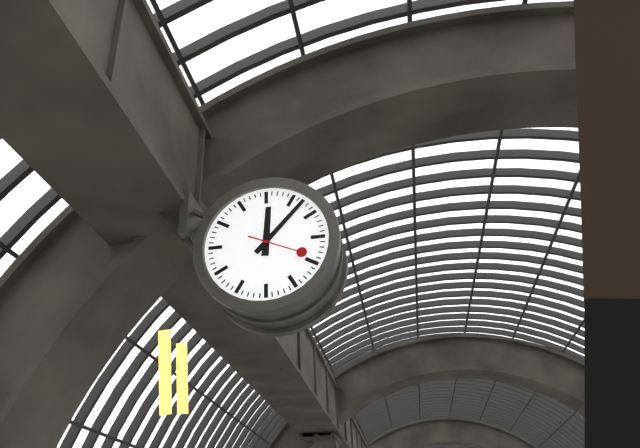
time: **12:07:19**
